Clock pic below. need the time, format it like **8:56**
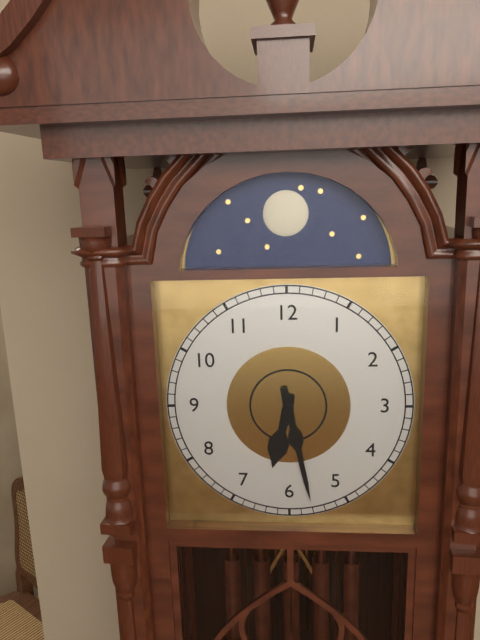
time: **6:28**
